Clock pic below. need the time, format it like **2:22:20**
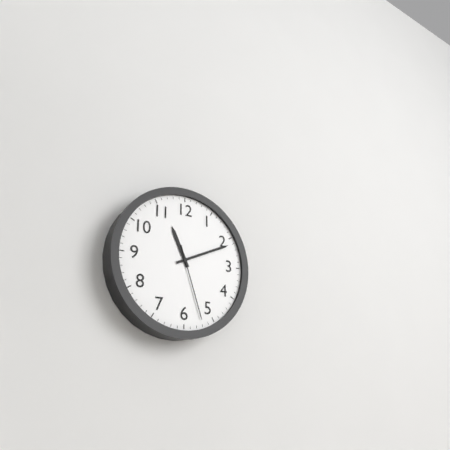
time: **11:11:27**
